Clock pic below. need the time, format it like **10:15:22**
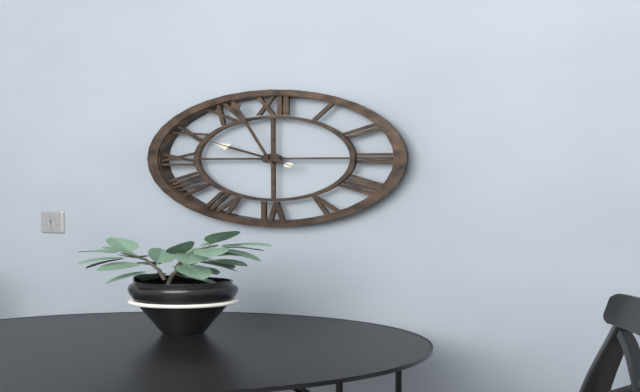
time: **9:57:50**
